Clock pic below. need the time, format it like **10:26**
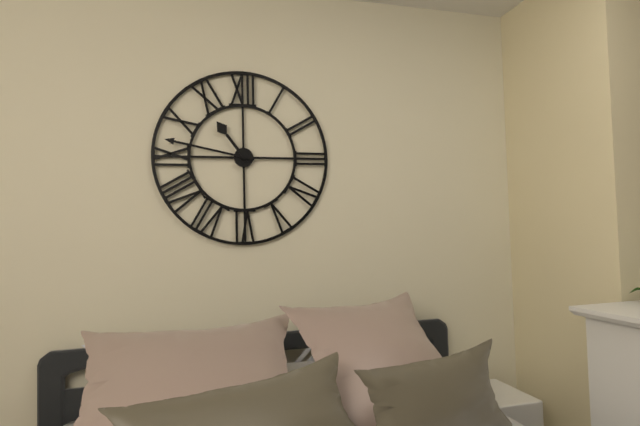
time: **10:47**
